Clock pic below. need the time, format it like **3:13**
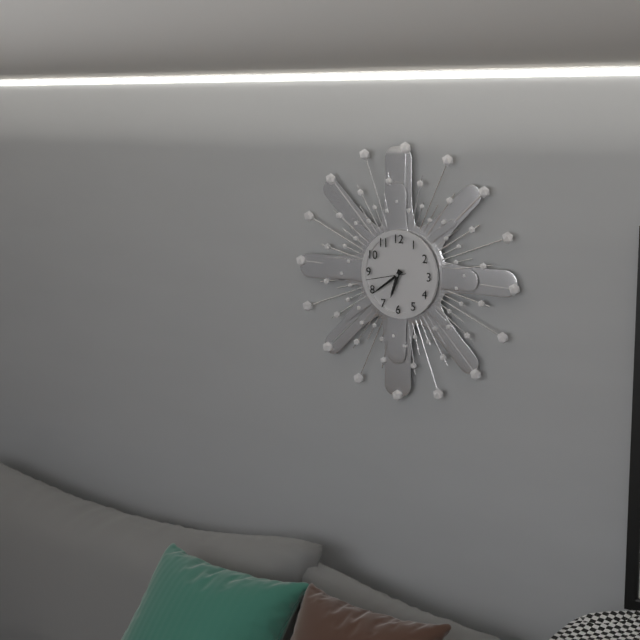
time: **6:39**
